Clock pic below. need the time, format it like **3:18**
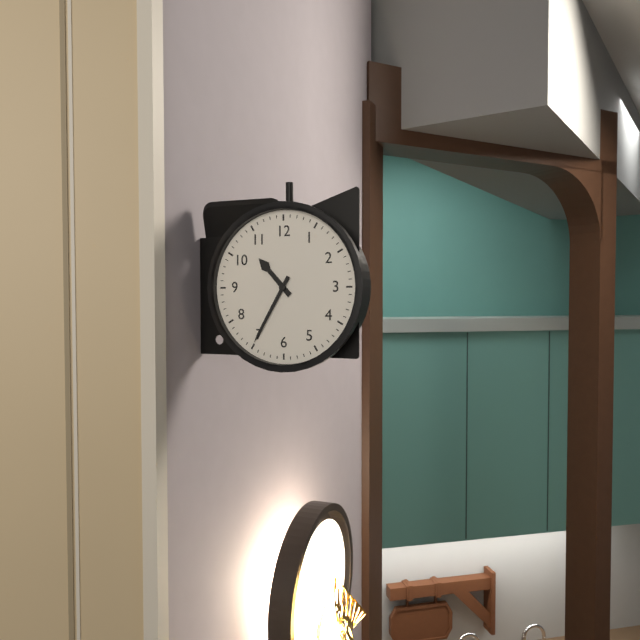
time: **10:35**
